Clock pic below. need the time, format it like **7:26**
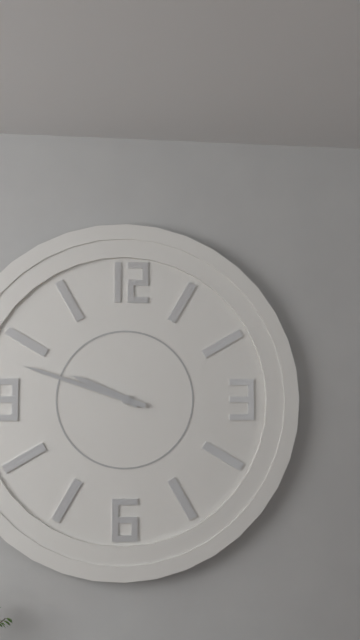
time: **9:48**
